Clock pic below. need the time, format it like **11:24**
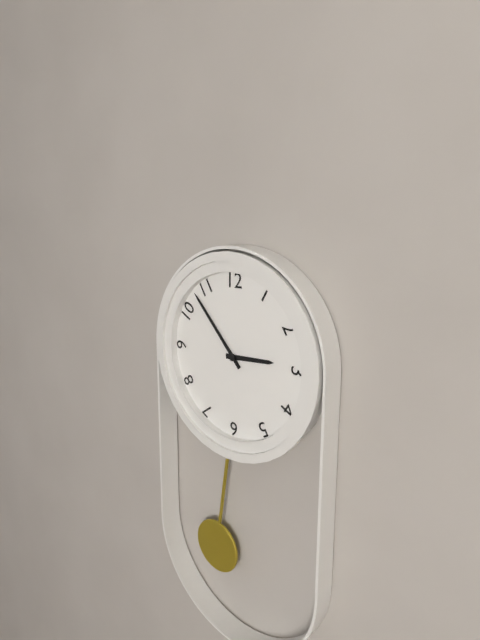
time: **2:53**
